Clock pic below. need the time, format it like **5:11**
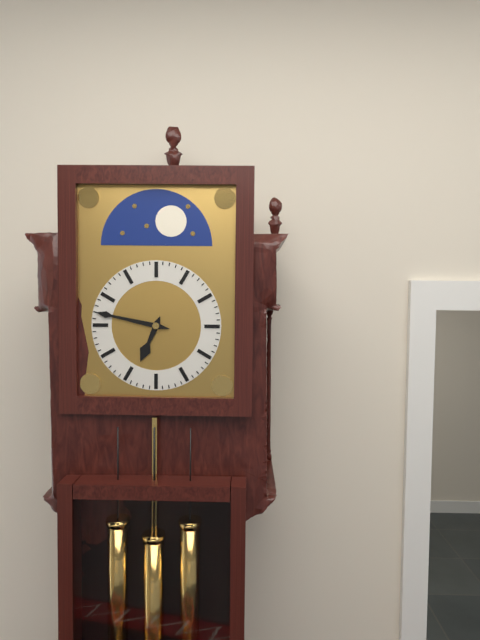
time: **6:47**
